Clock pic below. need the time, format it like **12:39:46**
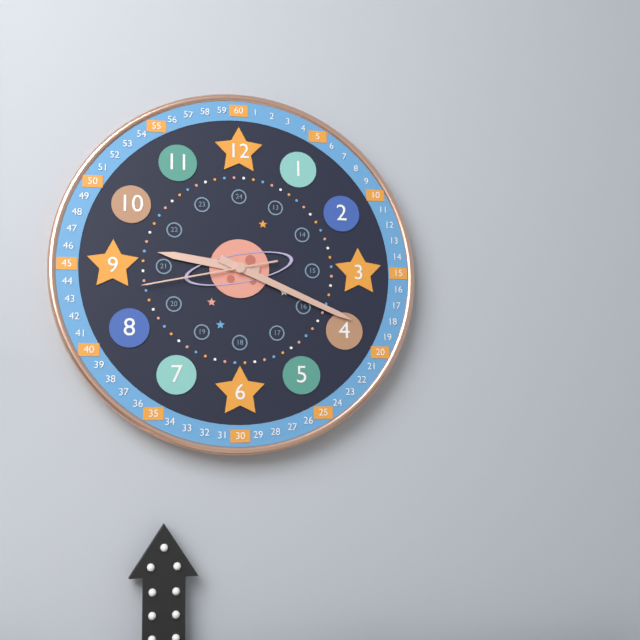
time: **9:19:43**
